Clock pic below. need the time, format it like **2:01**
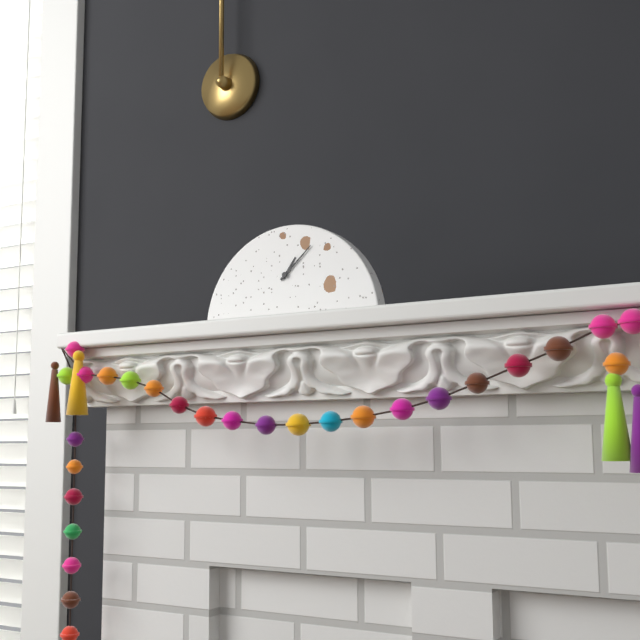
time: **1:08**
